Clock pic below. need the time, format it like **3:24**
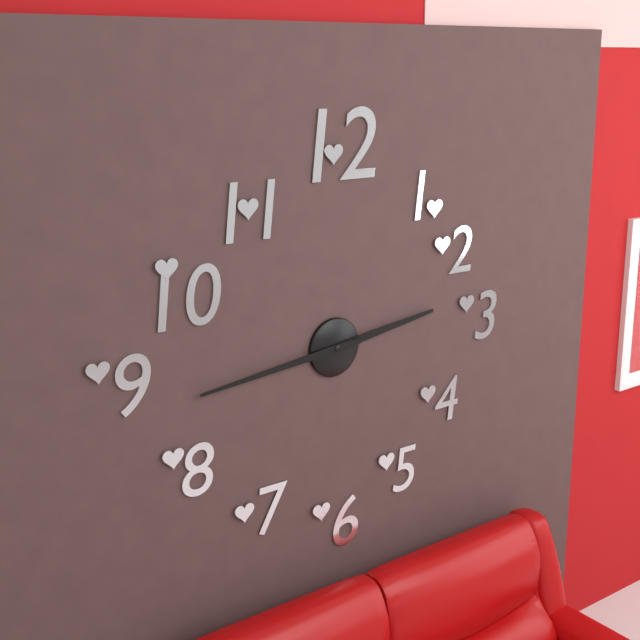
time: **2:44**
